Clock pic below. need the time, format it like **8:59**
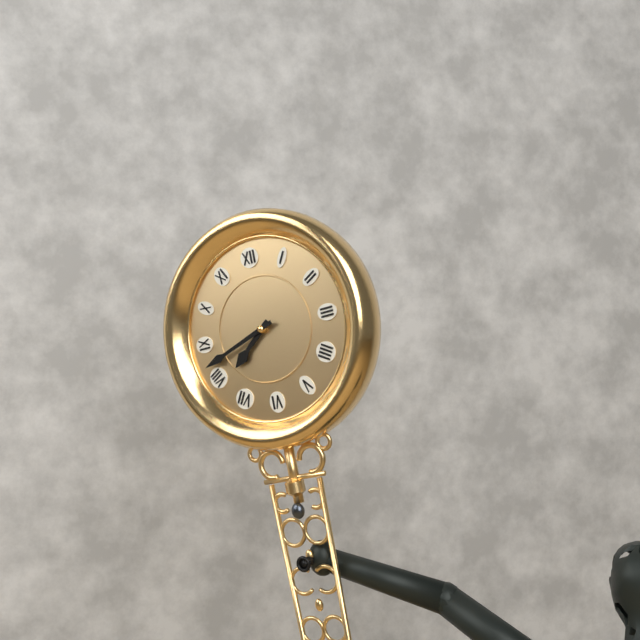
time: **7:42**
